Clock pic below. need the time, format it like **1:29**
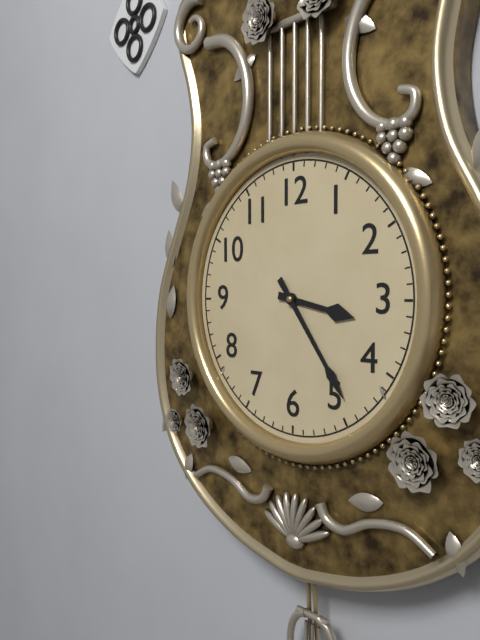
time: **3:24**
